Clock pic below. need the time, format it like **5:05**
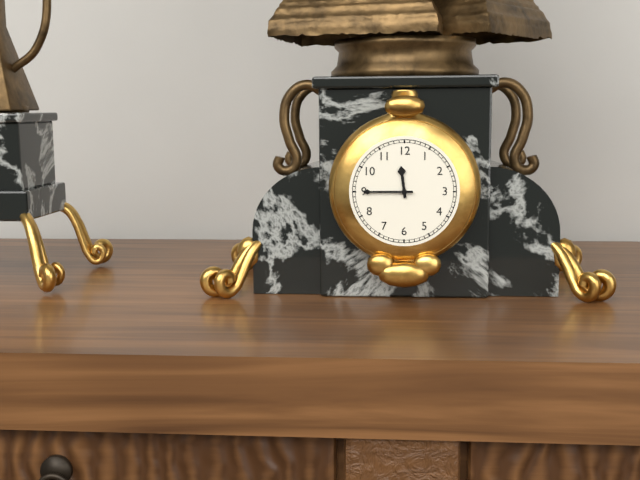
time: **11:45**
